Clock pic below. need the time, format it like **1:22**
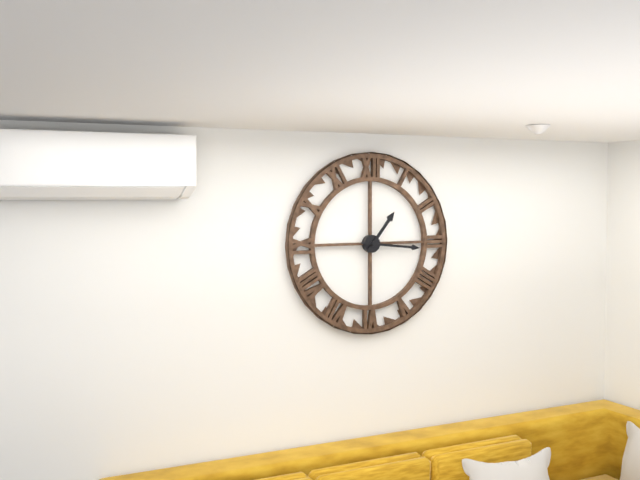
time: **1:16**
